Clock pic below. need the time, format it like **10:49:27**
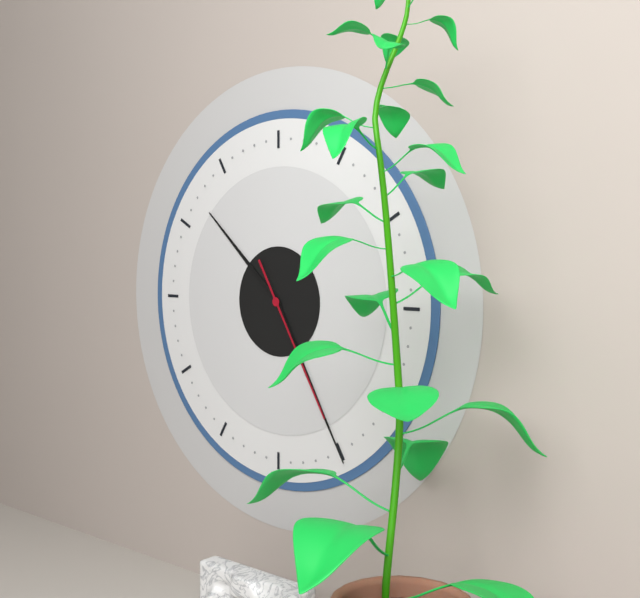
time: **10:25:25**
